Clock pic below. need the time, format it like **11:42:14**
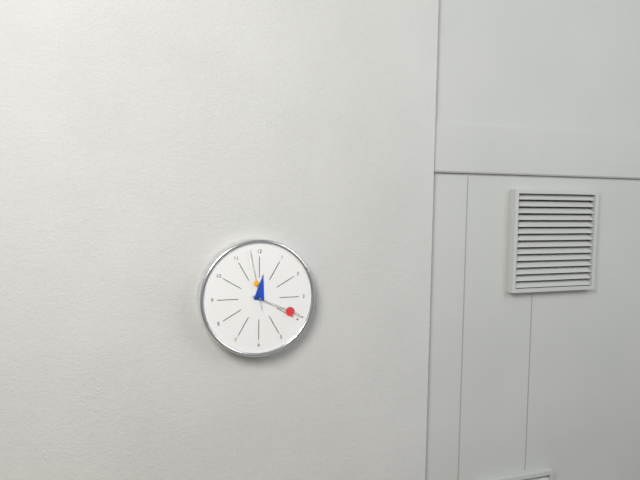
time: **12:19:58**
